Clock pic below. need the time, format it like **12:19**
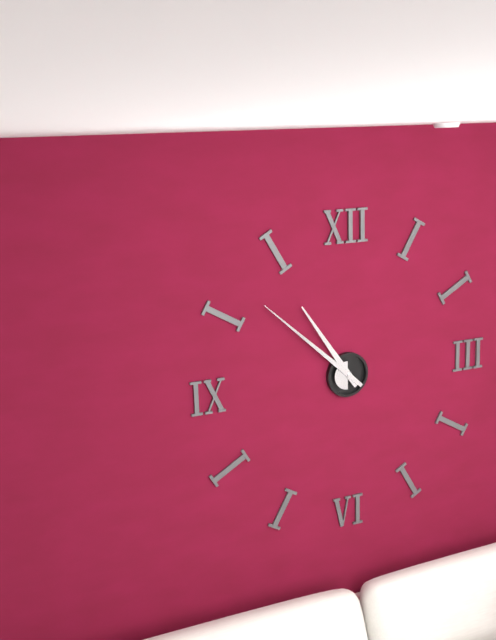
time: **10:52**
